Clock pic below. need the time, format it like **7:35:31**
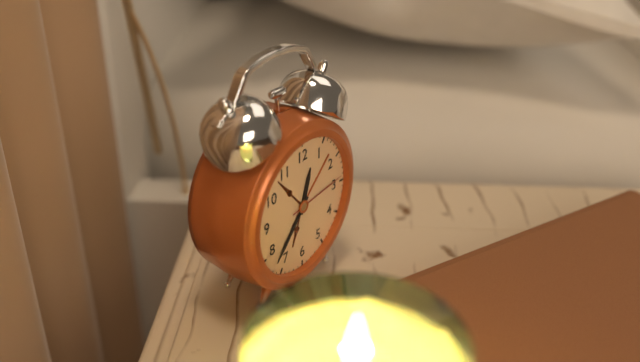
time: **12:37:14**
